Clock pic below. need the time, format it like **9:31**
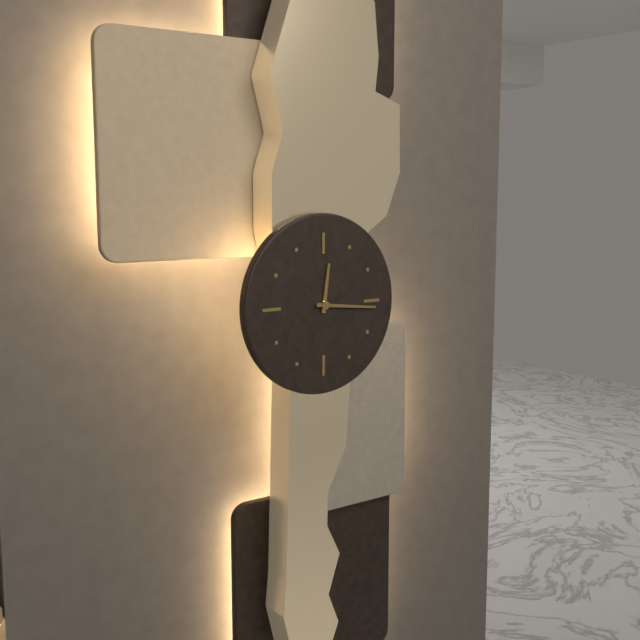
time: **12:16**
